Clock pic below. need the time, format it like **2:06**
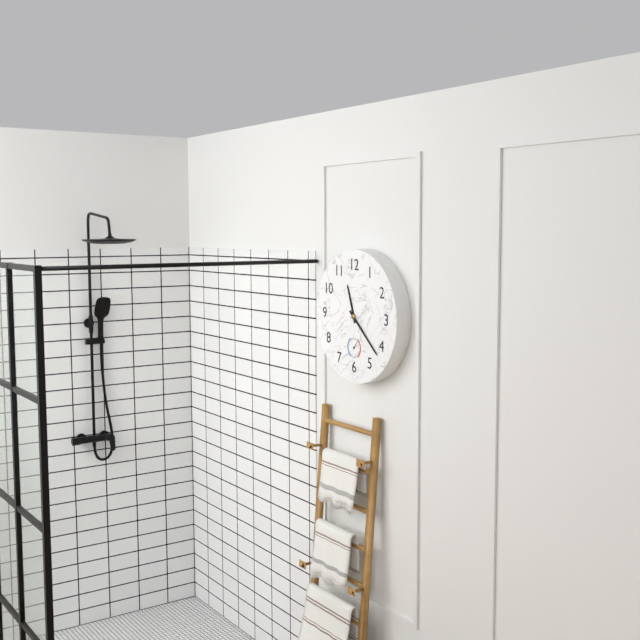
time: **11:22**
